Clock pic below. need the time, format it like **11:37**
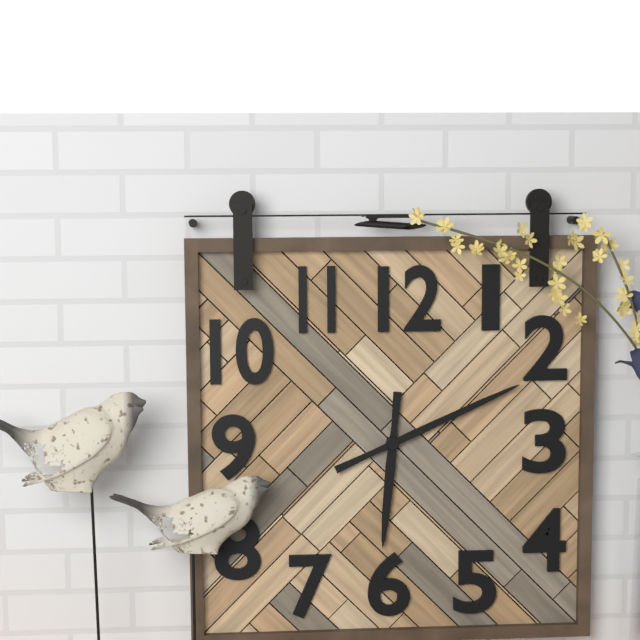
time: **6:11**
